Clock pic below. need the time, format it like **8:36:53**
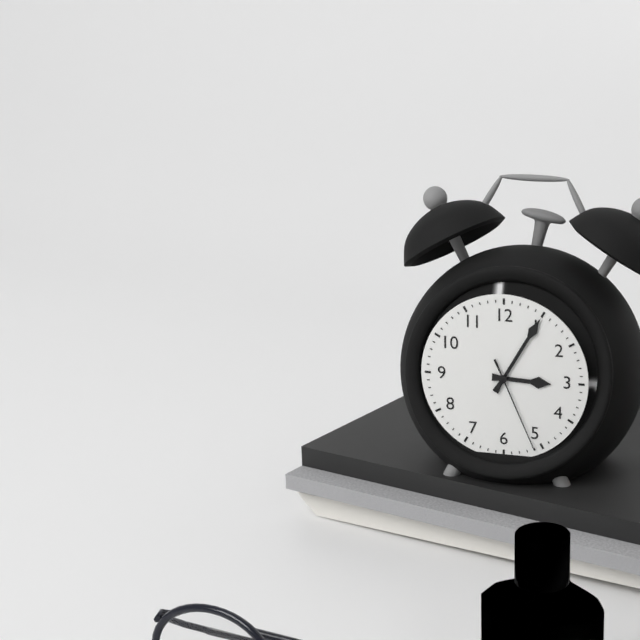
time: **3:05:26**
